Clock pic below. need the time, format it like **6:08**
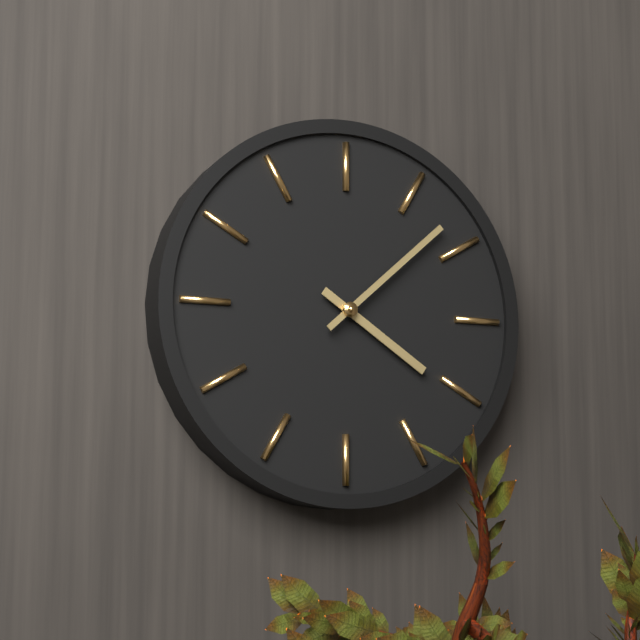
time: **4:08**
